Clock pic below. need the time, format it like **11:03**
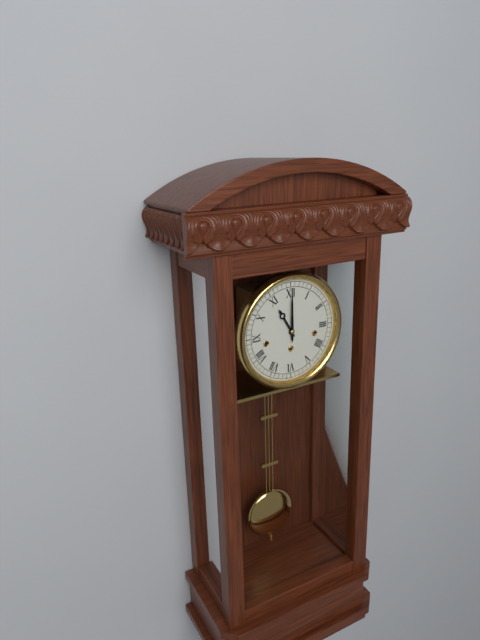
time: **11:00**
